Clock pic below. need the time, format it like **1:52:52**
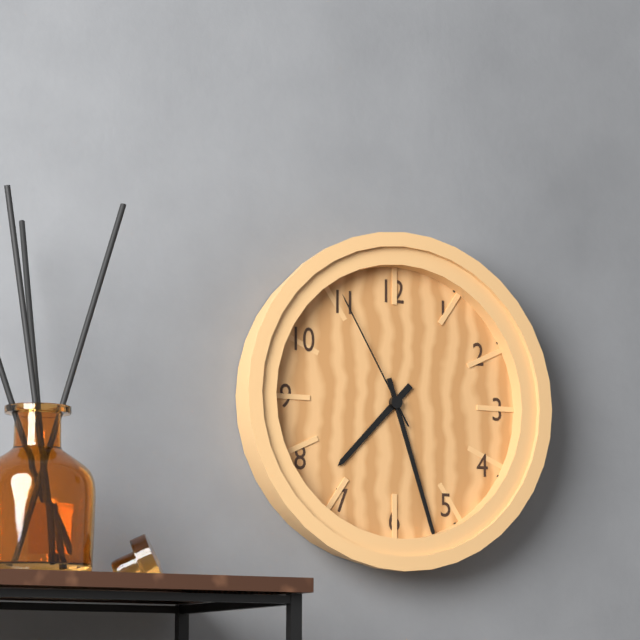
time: **7:27:55**
